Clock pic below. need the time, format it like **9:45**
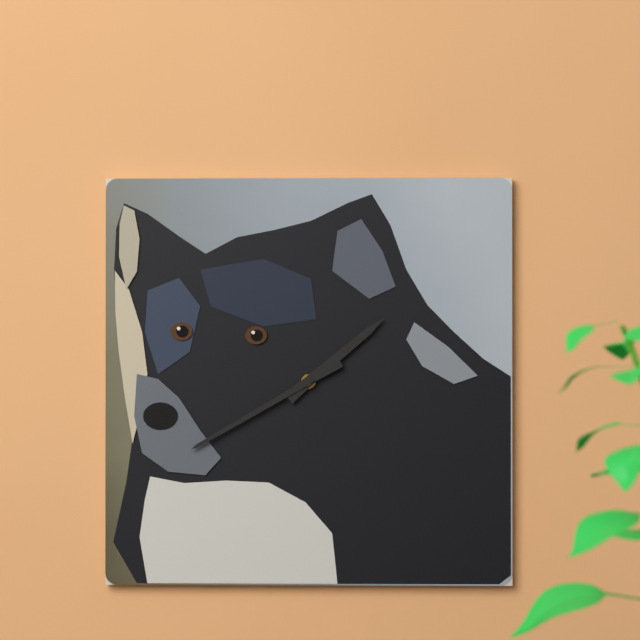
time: **1:40**
